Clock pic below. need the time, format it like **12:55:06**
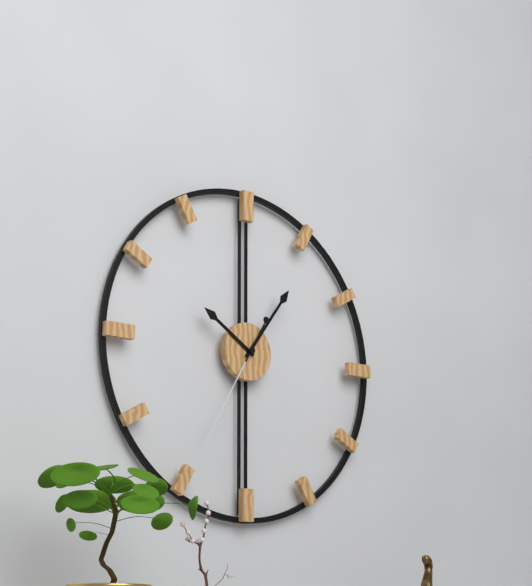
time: **10:06:35**
